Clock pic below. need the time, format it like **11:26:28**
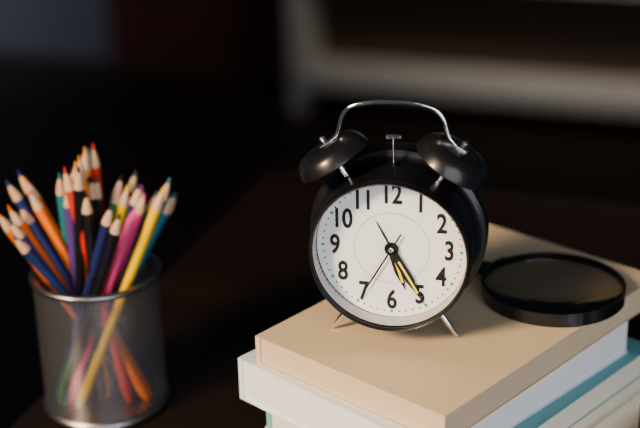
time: **5:25:35**
